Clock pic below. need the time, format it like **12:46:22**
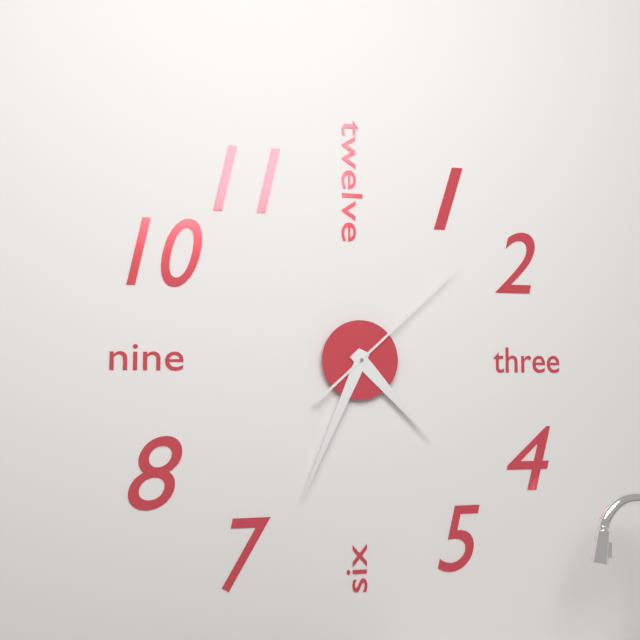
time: **4:34:08**
